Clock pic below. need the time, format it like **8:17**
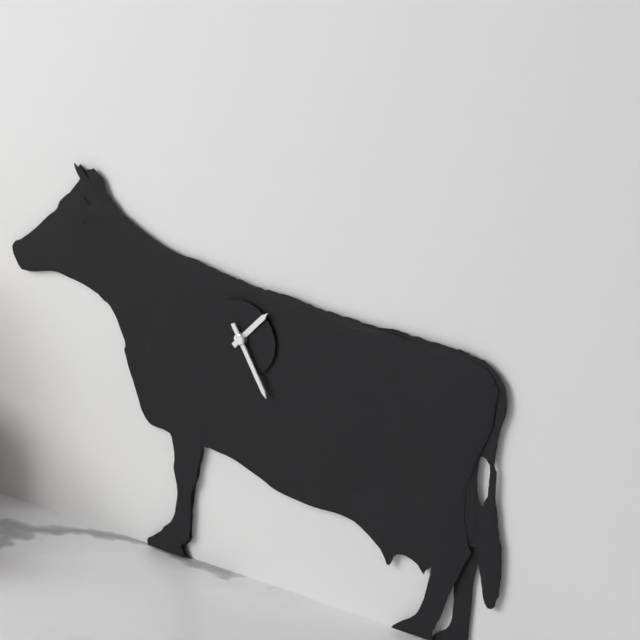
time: **1:25**
